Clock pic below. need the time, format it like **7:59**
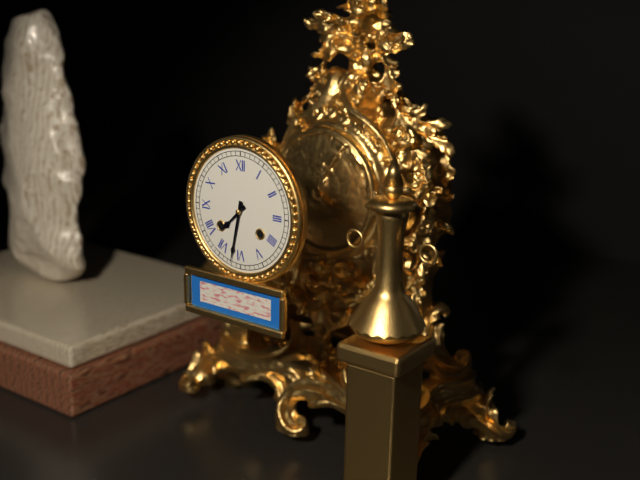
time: **7:32**
